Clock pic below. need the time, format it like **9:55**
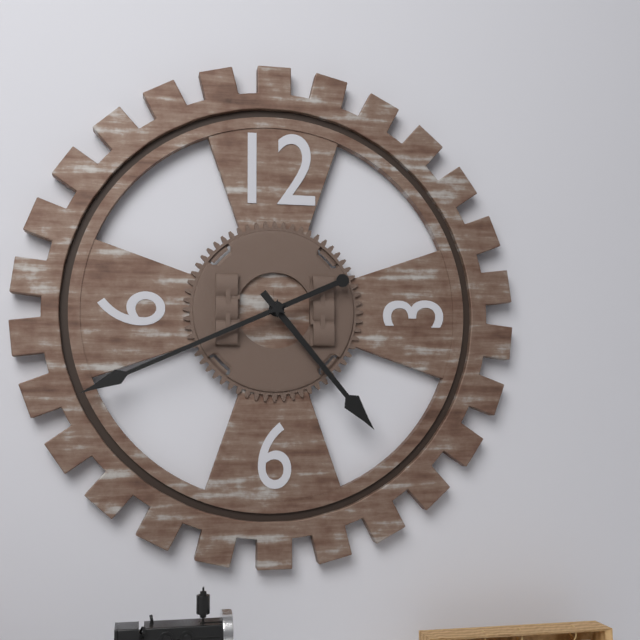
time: **4:41**
